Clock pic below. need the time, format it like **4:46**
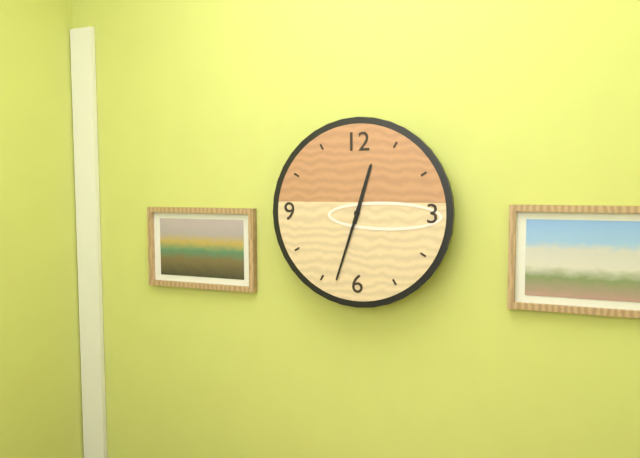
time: **12:33**
